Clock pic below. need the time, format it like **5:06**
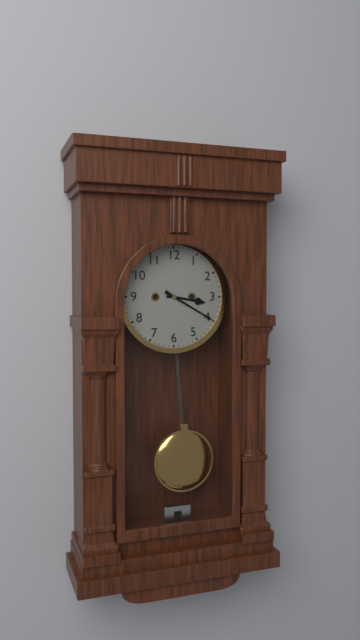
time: **3:20**
